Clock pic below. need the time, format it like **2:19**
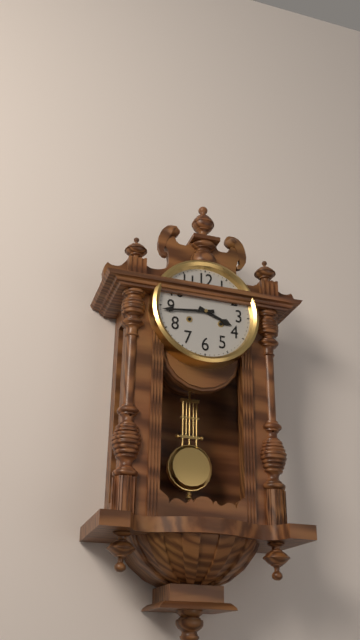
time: **3:44**
